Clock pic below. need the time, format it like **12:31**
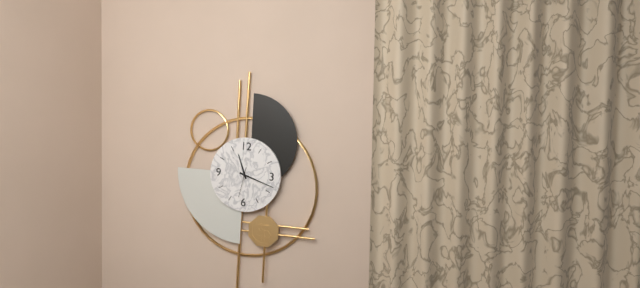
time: **11:18**
